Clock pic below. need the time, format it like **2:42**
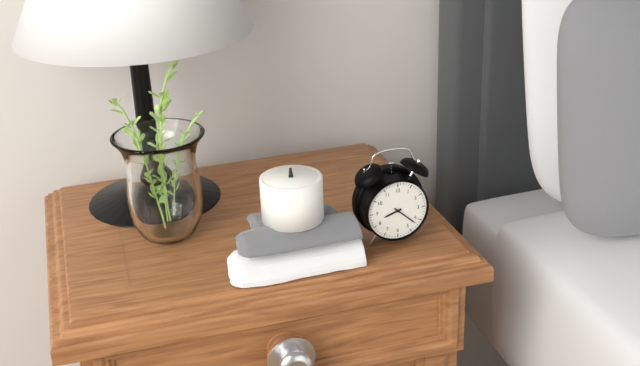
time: **8:22**
